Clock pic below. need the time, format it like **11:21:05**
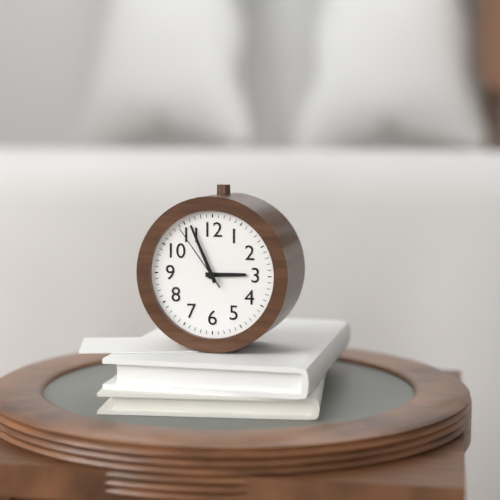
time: **2:56:54**
